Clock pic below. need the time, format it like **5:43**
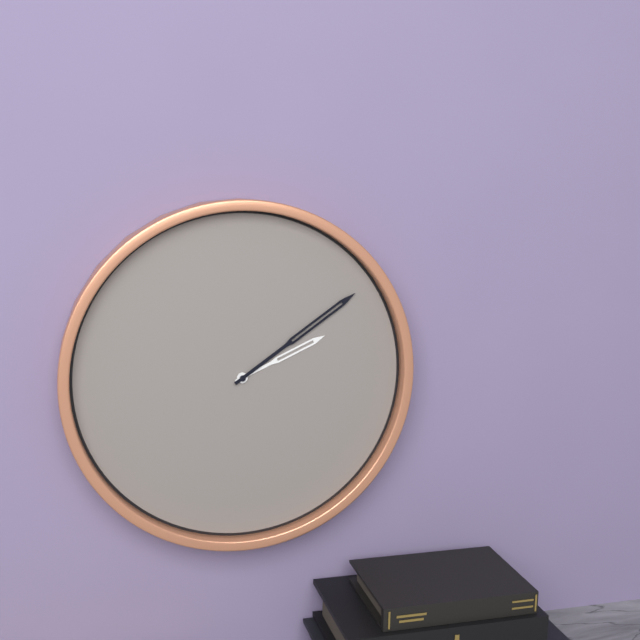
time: **2:09**
